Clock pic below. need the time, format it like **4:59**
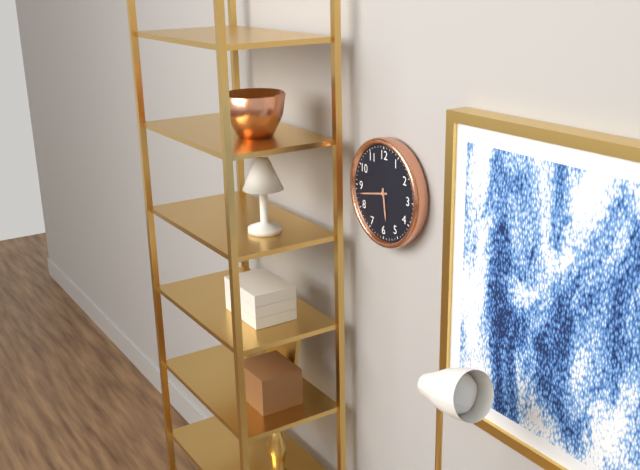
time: **5:43**
